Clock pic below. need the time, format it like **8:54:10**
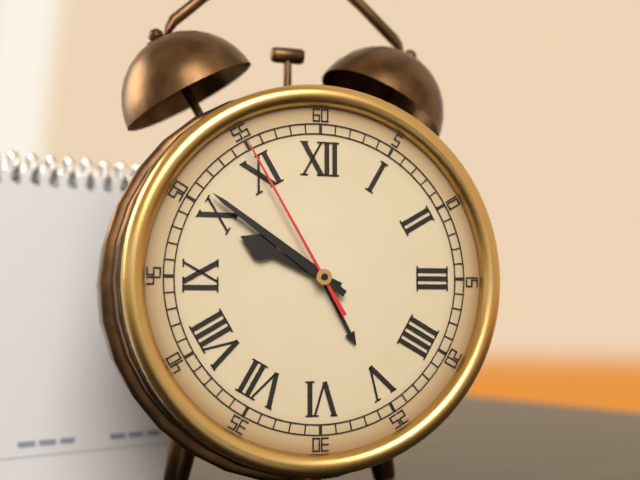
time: **9:51:55**
